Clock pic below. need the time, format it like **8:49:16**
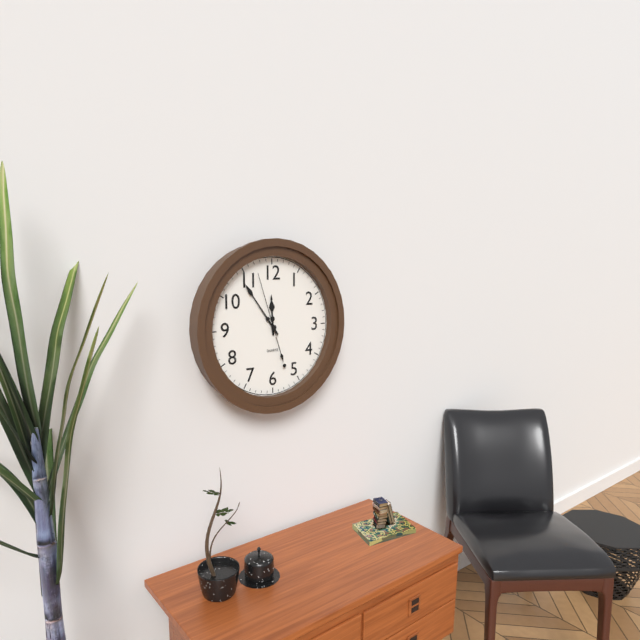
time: **11:54:57**
